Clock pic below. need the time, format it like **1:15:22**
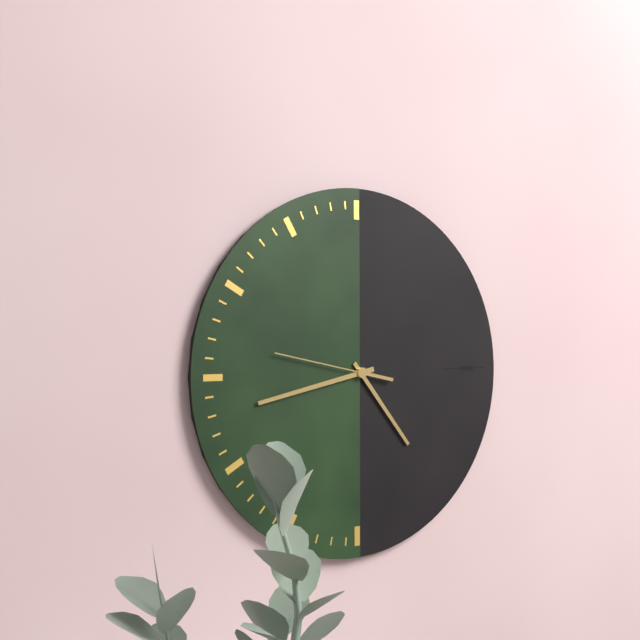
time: **4:43:47**
